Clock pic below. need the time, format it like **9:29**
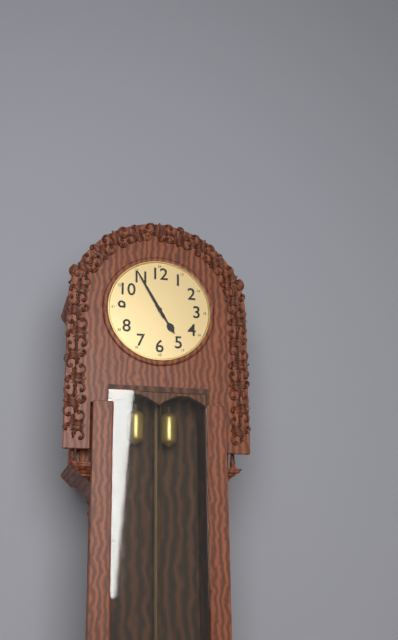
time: **4:55**
